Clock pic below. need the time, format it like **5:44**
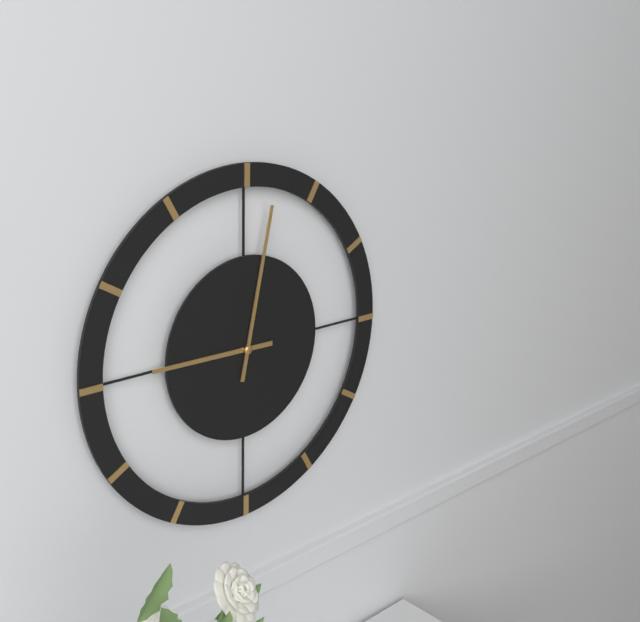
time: **9:02**
